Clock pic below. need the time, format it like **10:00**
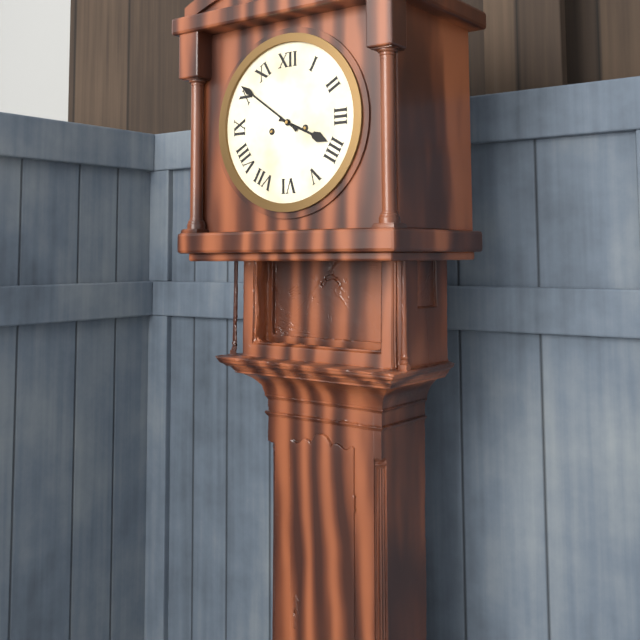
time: **3:51**
